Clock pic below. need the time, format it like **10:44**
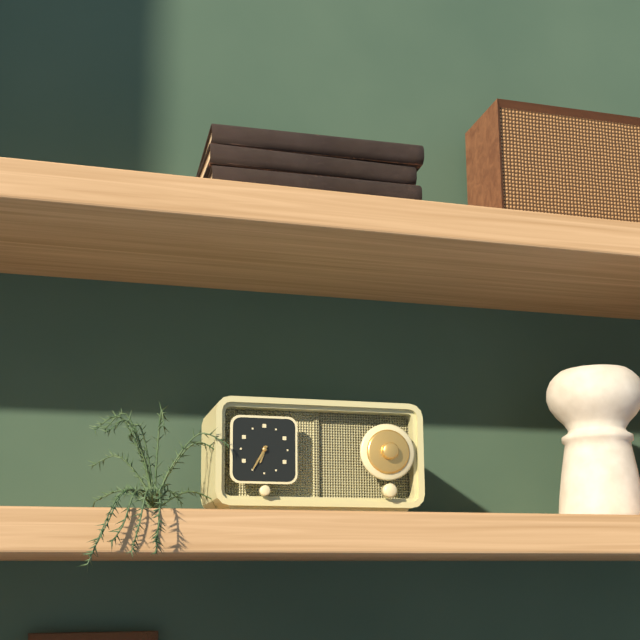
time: **6:35**
